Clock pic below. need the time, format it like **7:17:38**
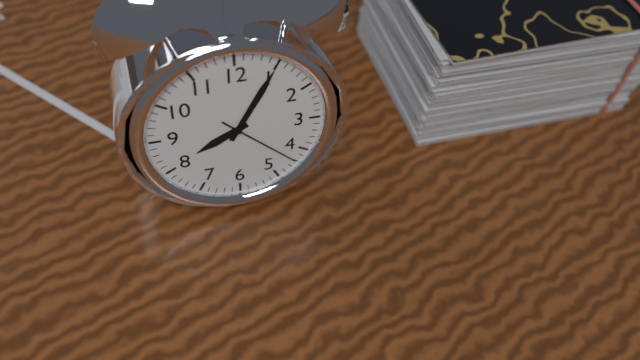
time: **8:05:22**
